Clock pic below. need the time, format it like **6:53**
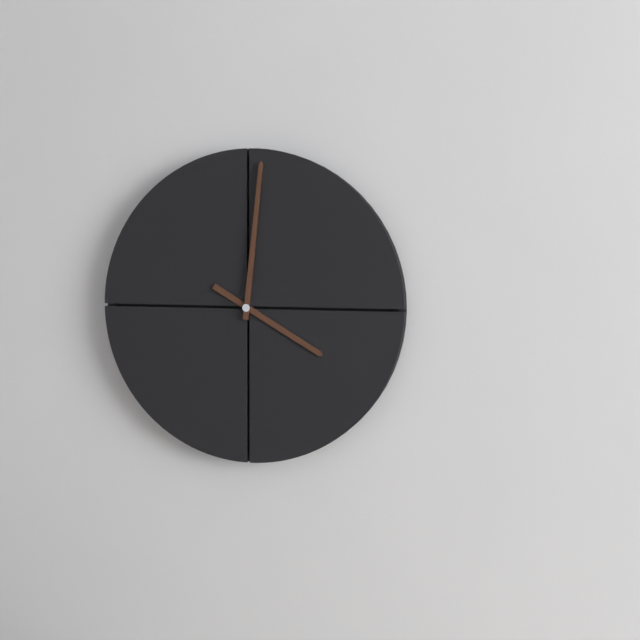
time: **4:01**
